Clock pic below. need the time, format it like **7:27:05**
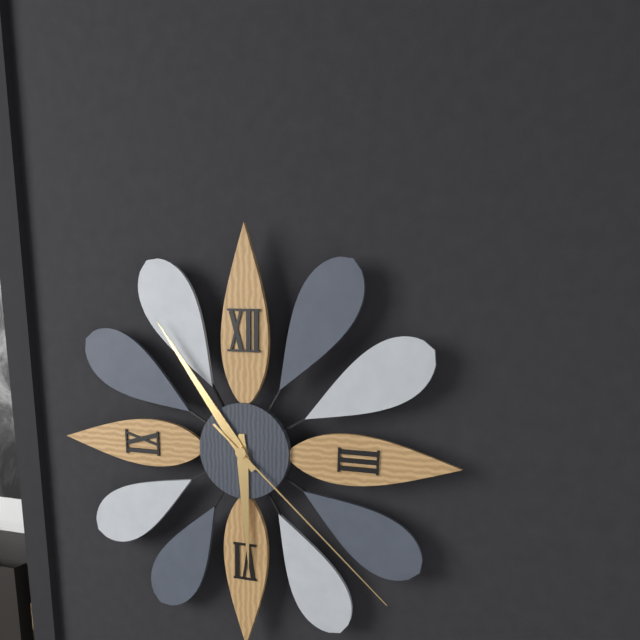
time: **5:54:22**
